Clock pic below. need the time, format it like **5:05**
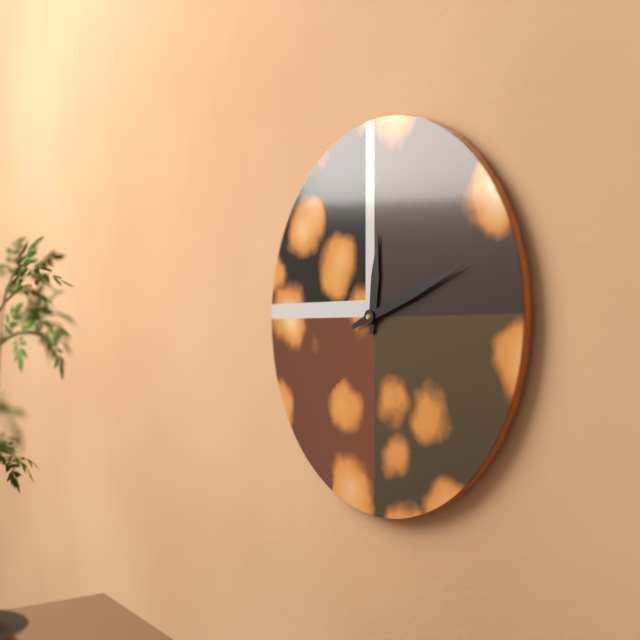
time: **12:12**
